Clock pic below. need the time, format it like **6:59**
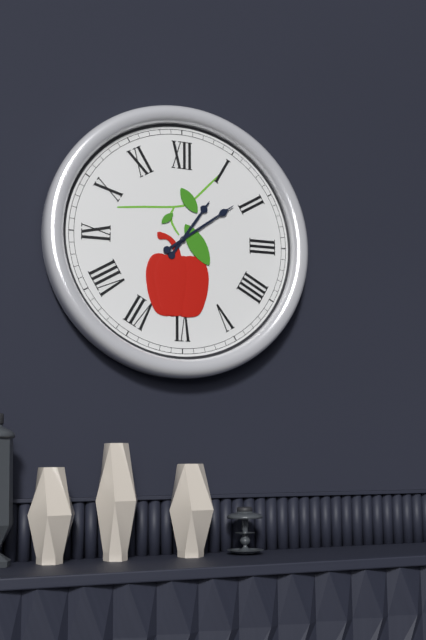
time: **1:09**
